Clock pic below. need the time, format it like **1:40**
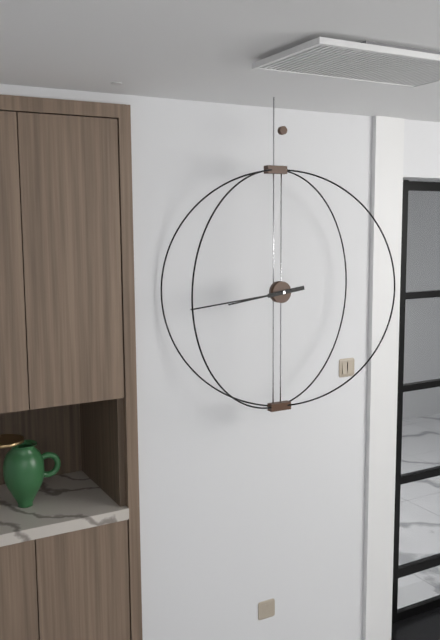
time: **8:44**
